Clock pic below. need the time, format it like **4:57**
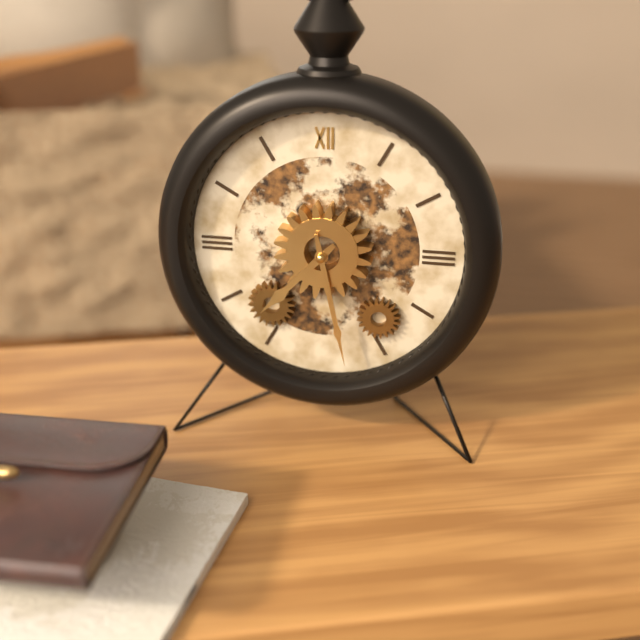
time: **7:28**
